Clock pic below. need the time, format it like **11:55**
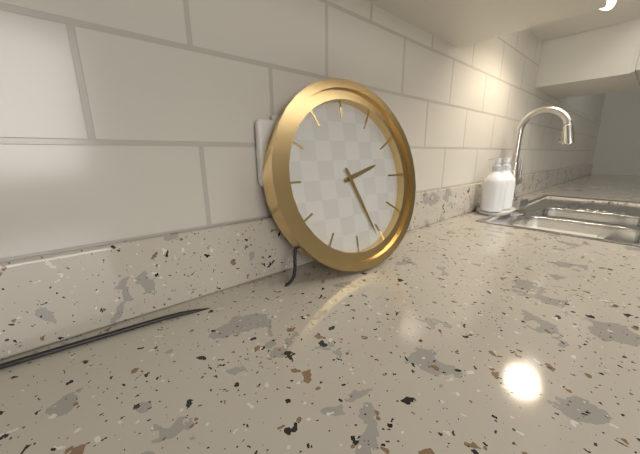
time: **2:26**
